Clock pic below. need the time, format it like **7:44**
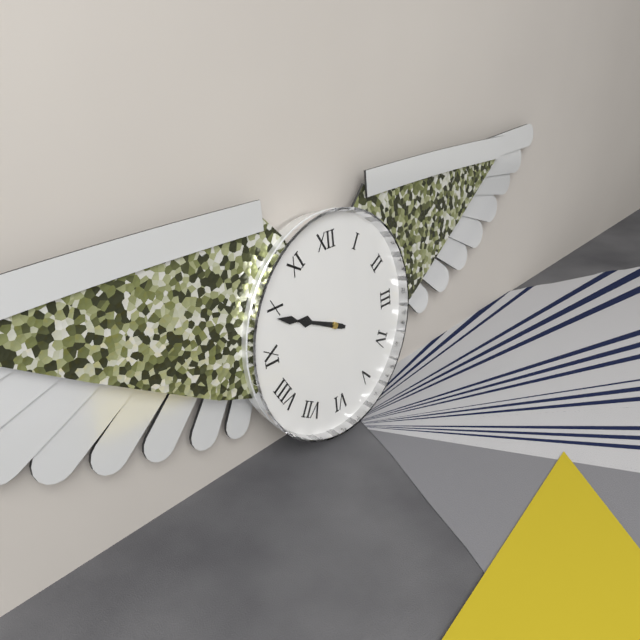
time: **9:49**
